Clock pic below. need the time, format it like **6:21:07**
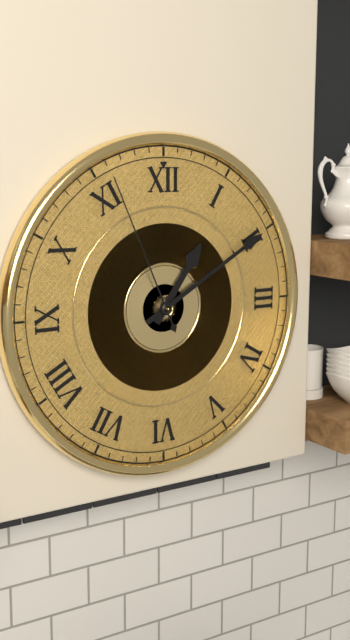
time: **1:10:56**
